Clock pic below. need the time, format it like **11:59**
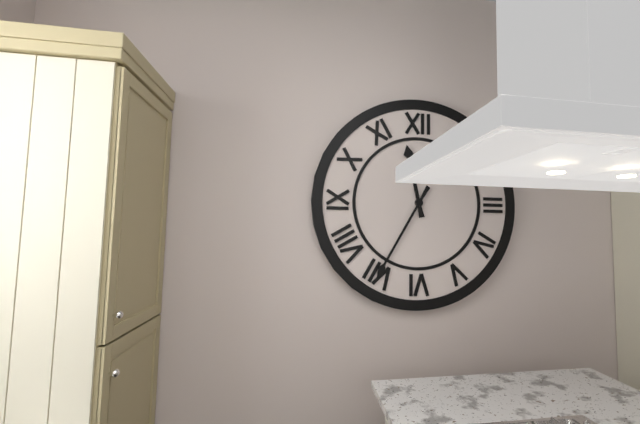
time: **11:35**
